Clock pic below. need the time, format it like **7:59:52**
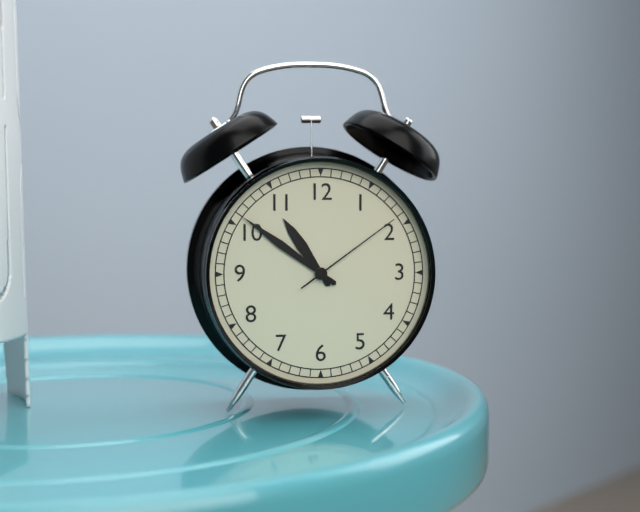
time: **10:51:09**
